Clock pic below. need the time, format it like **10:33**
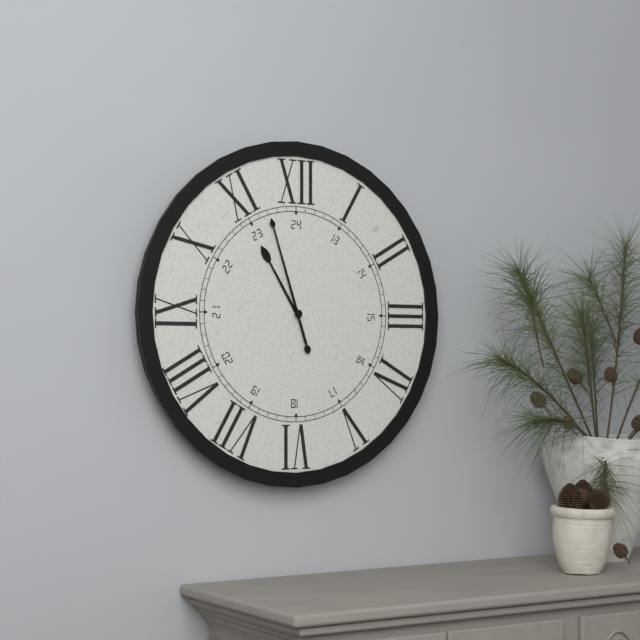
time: **10:57**
